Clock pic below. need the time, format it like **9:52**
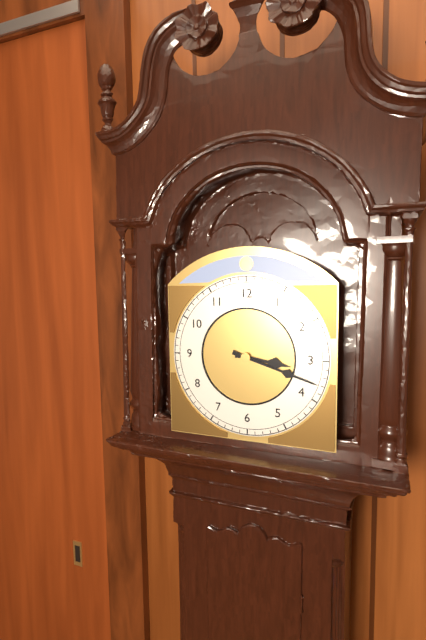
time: **3:18**
